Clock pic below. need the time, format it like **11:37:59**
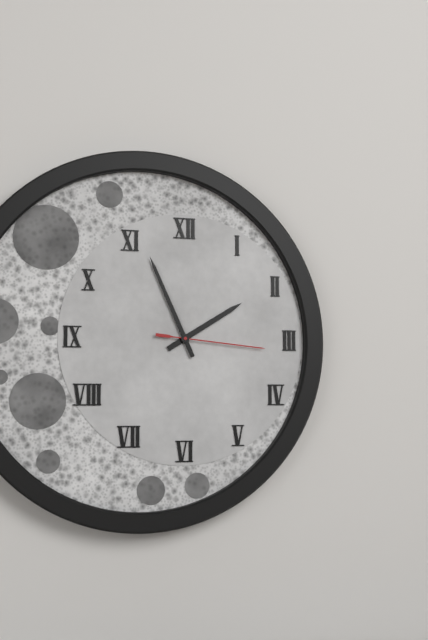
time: **1:56:16**
